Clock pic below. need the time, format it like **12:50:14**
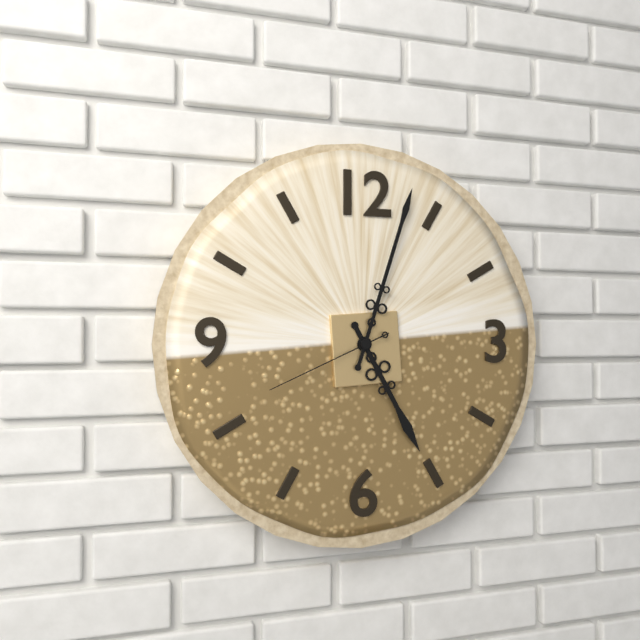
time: **5:03:41**
